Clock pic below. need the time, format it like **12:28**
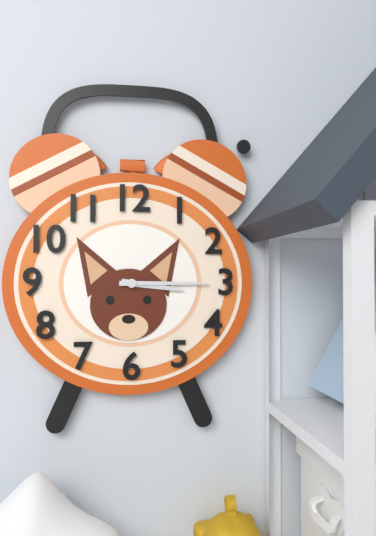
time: **3:15**
